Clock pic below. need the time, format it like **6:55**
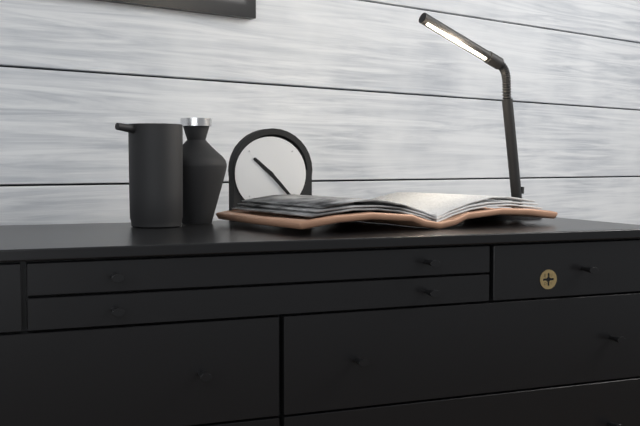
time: **10:23**
